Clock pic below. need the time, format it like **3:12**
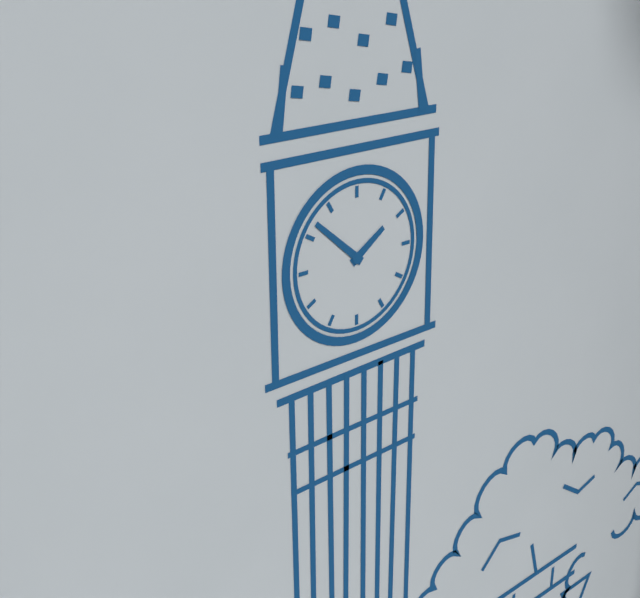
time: **1:52**
